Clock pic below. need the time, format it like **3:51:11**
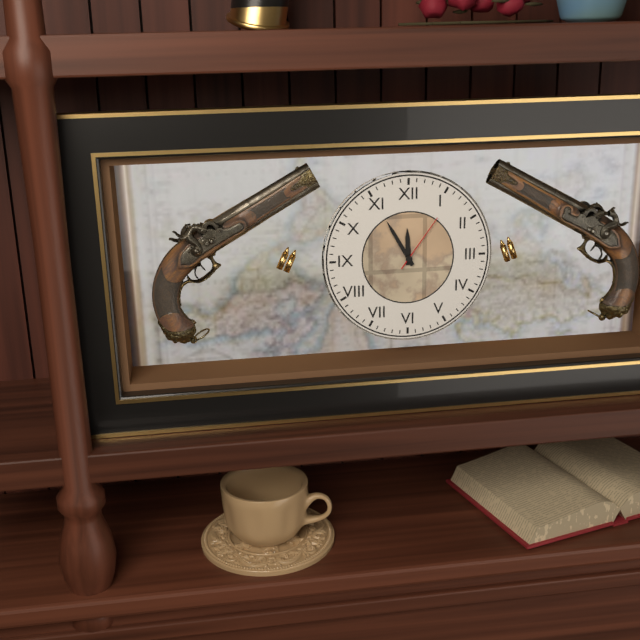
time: **11:55:06**
